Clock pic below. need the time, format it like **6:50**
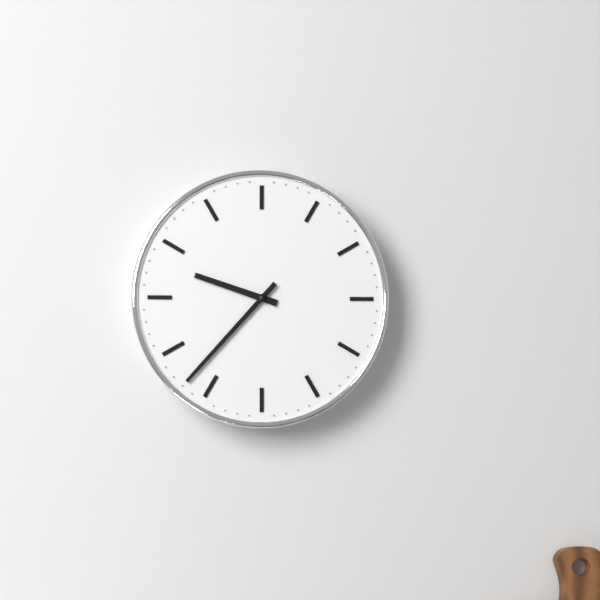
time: **9:37**
